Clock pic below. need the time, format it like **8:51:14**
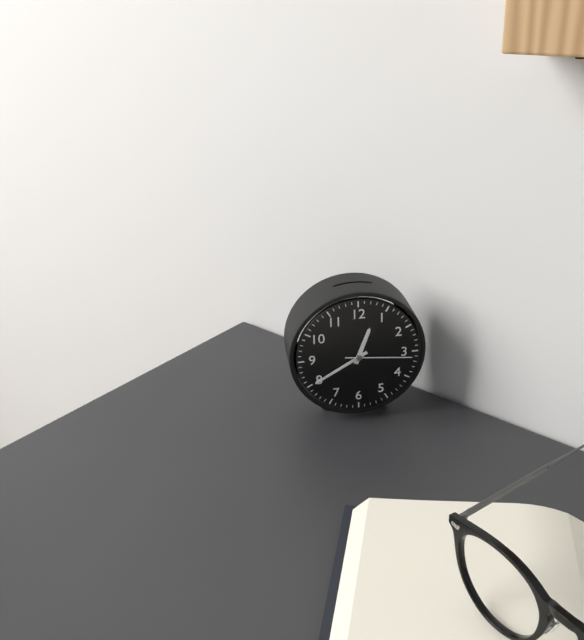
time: **12:40:16**
